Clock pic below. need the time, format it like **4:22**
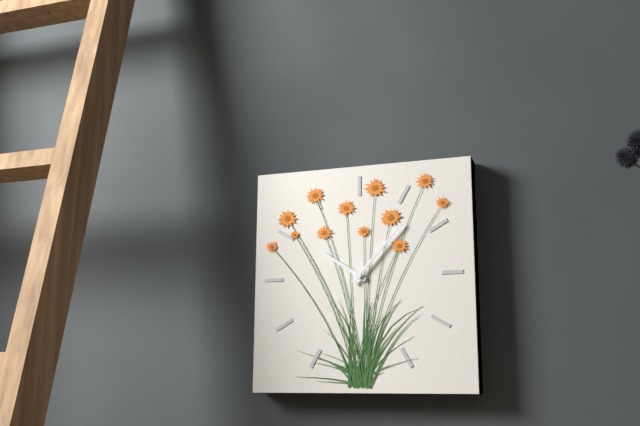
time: **10:07**
